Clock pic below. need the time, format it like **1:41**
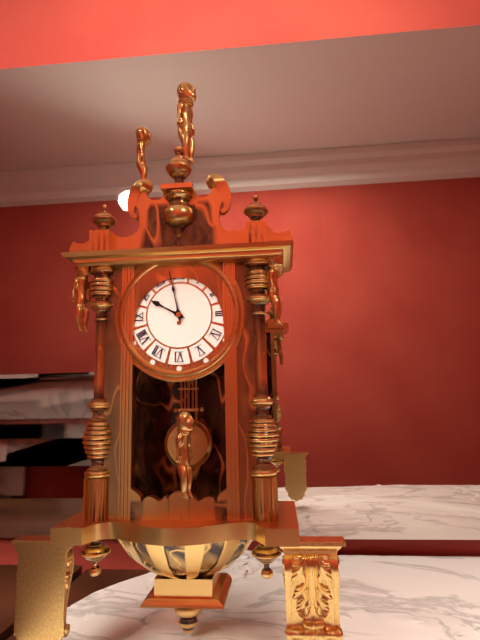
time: **9:58**
